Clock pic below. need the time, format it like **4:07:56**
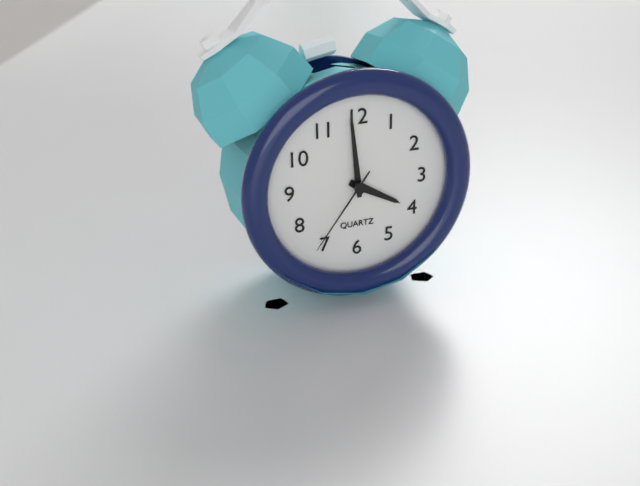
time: **3:59:36**
